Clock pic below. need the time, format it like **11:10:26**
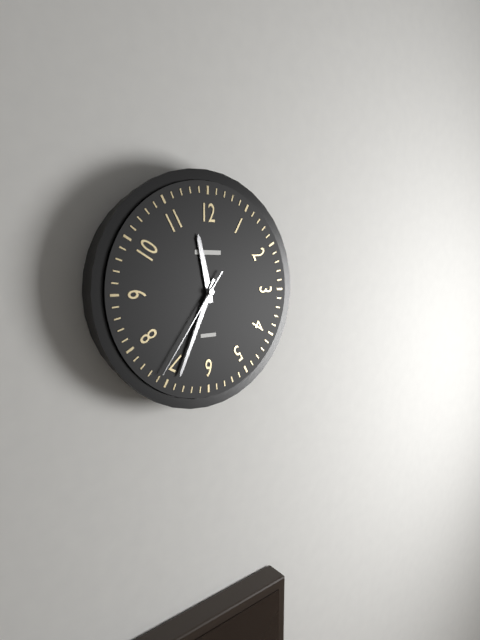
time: **11:34:36**
